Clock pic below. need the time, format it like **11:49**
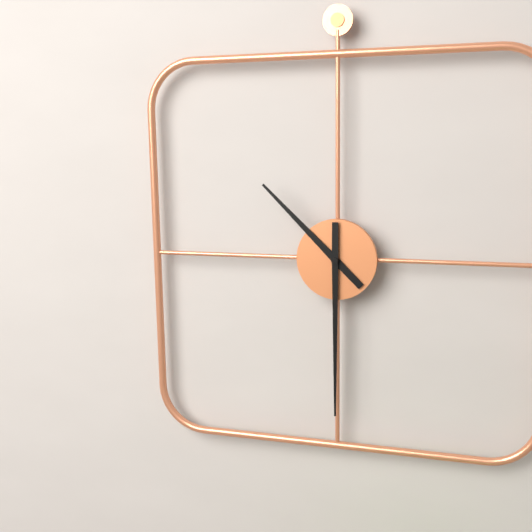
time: **10:30**
